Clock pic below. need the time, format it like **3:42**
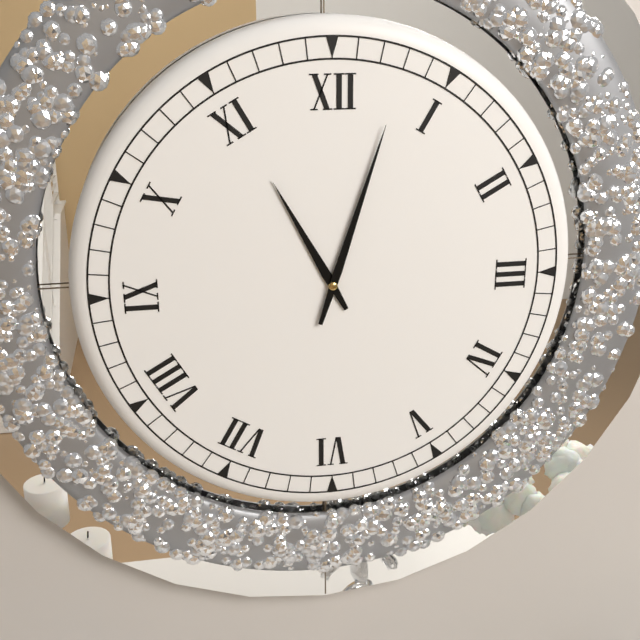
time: **11:03**
